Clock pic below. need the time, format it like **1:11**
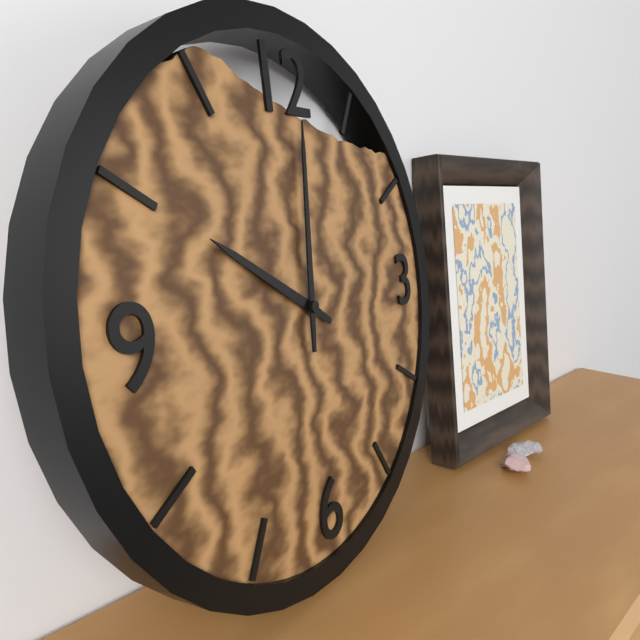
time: **10:01**
